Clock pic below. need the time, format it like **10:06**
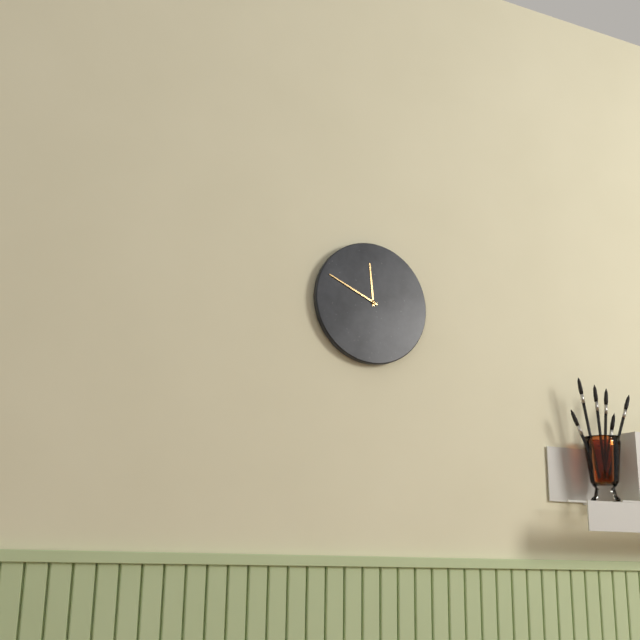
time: **11:49**
